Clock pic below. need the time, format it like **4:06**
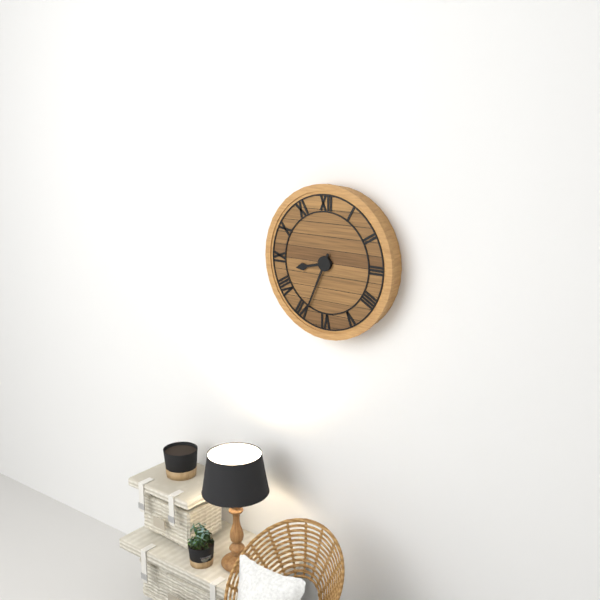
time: **8:34**
